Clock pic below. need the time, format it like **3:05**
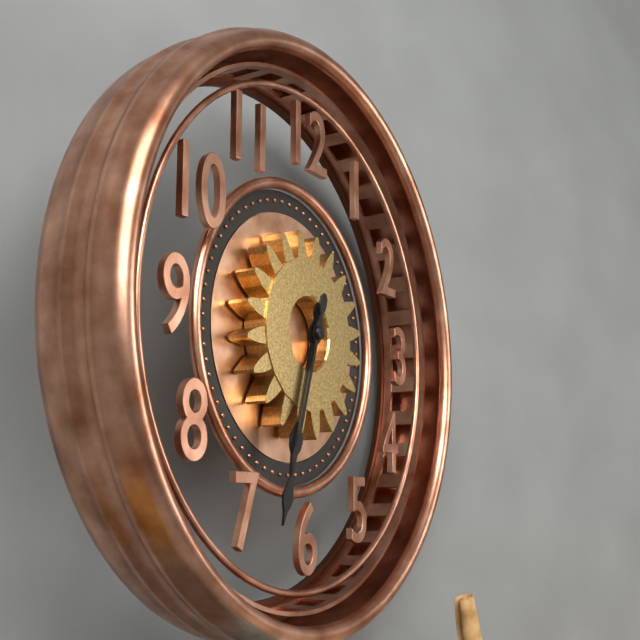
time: **6:33**
